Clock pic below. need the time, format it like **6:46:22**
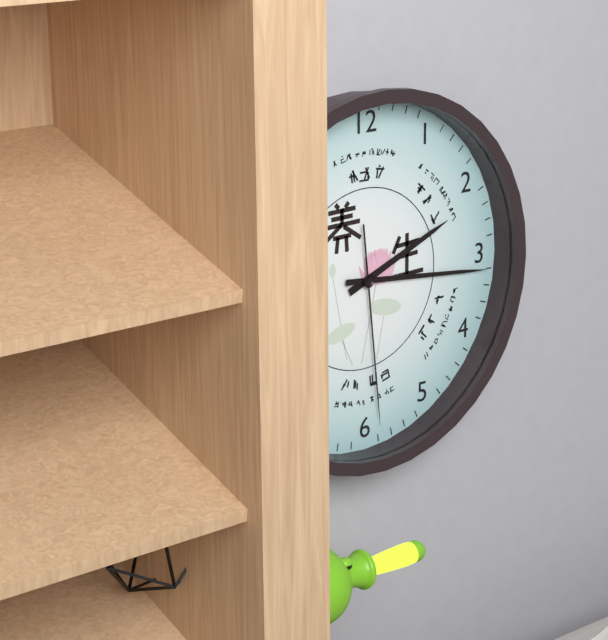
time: **2:16:29**
